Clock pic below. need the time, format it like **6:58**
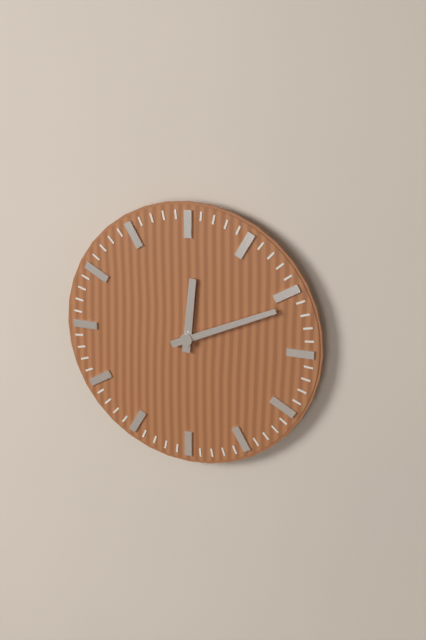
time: **12:11**
